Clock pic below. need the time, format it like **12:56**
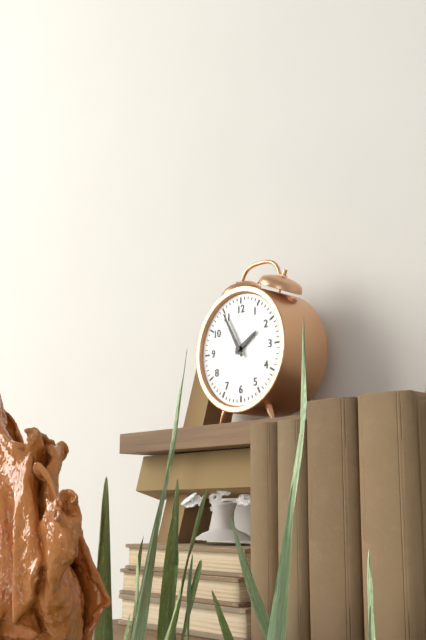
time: **1:55**
